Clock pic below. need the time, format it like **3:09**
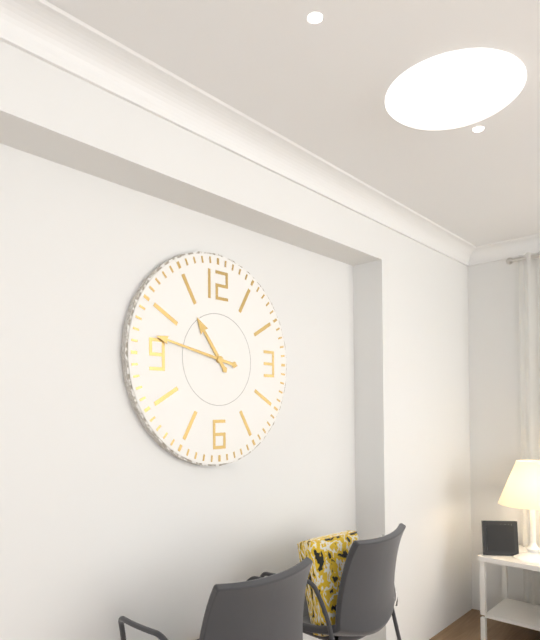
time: **10:47**
